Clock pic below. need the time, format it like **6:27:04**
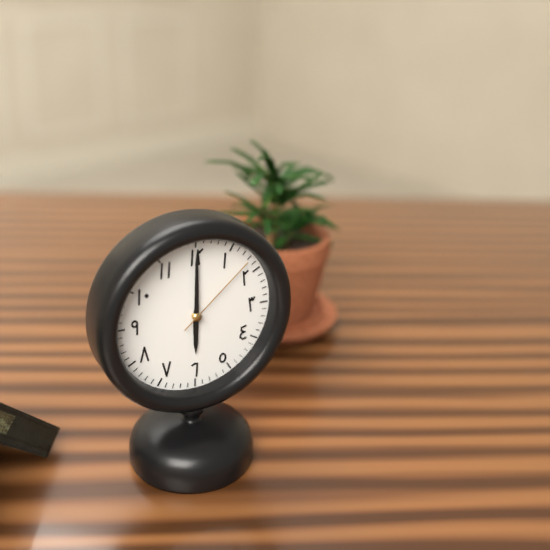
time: **6:00:08**
